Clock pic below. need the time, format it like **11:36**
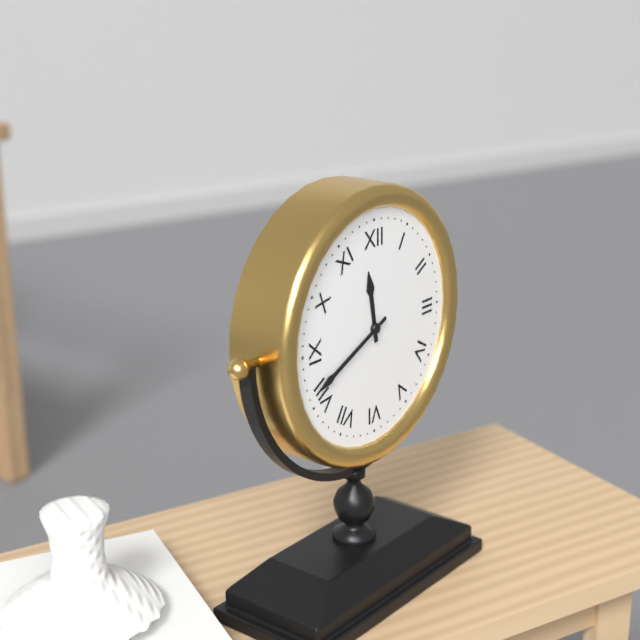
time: **11:41**
